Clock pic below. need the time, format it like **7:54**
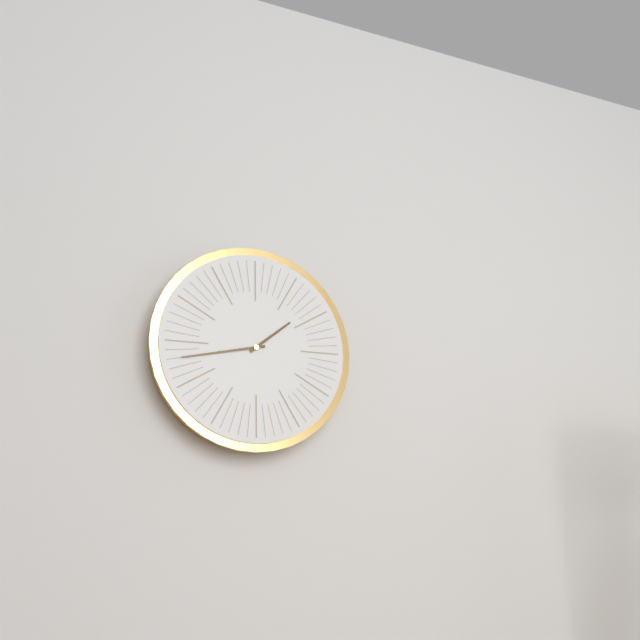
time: **1:43**
